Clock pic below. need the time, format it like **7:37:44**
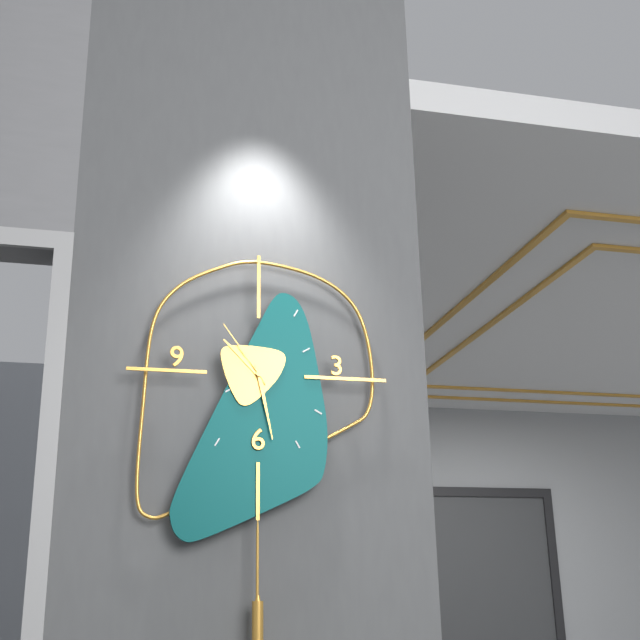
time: **10:28:54**
